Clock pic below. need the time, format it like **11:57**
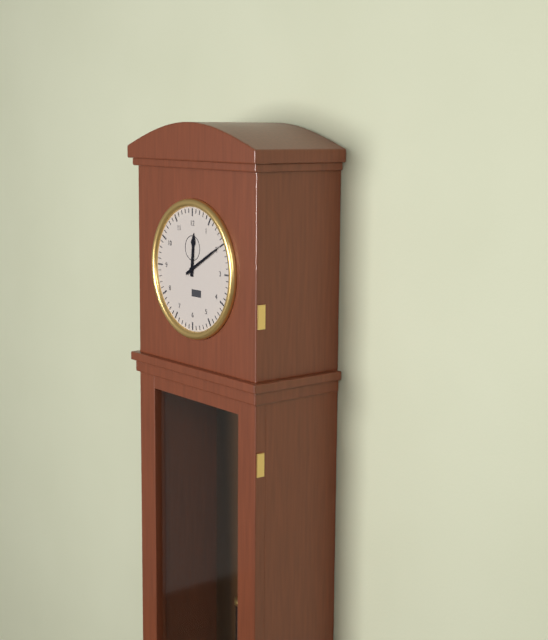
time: **12:10**
